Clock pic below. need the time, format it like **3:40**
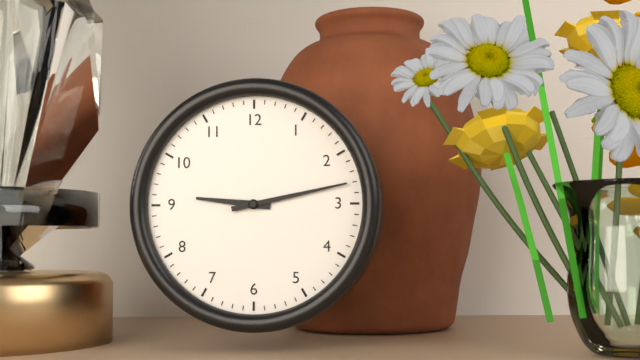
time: **9:13**
